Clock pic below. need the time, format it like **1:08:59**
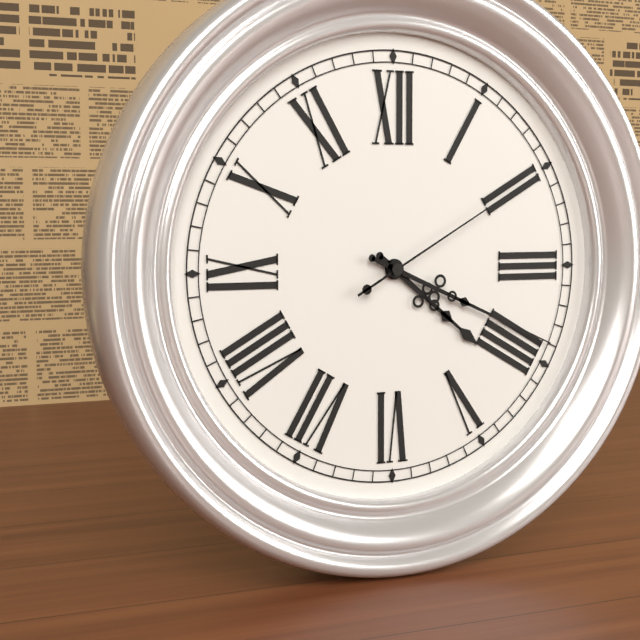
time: **4:19:10**
